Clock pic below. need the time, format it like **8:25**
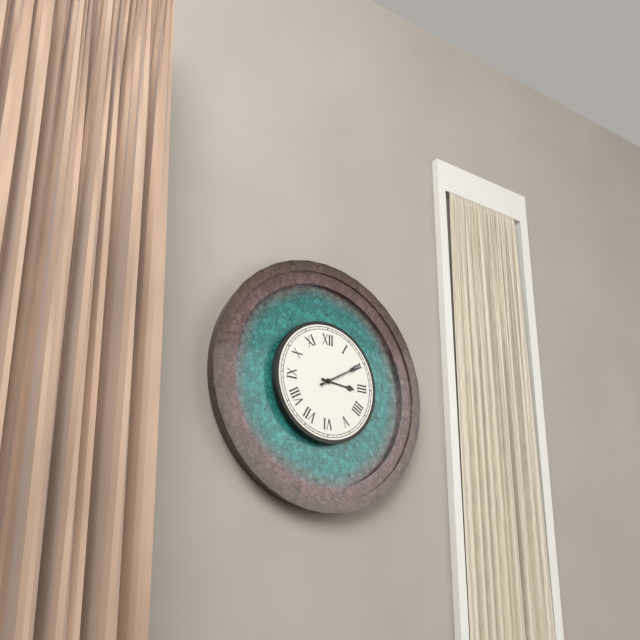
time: **3:10**
